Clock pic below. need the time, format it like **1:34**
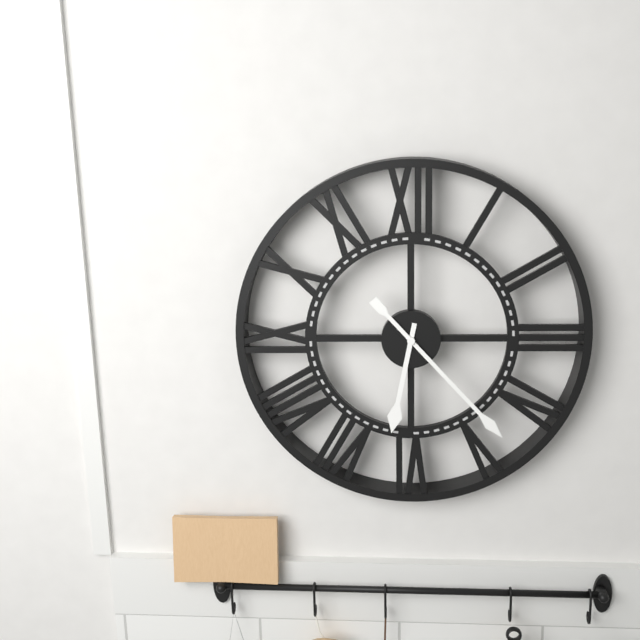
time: **6:23**
